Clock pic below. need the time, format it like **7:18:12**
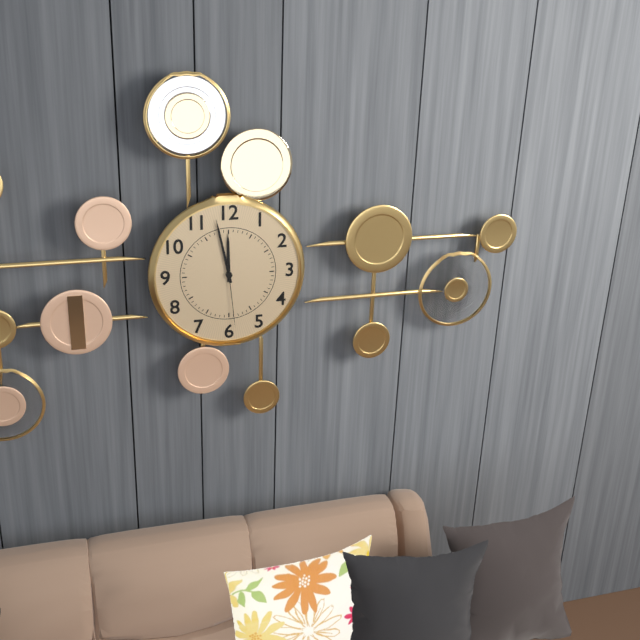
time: **11:58:29**
